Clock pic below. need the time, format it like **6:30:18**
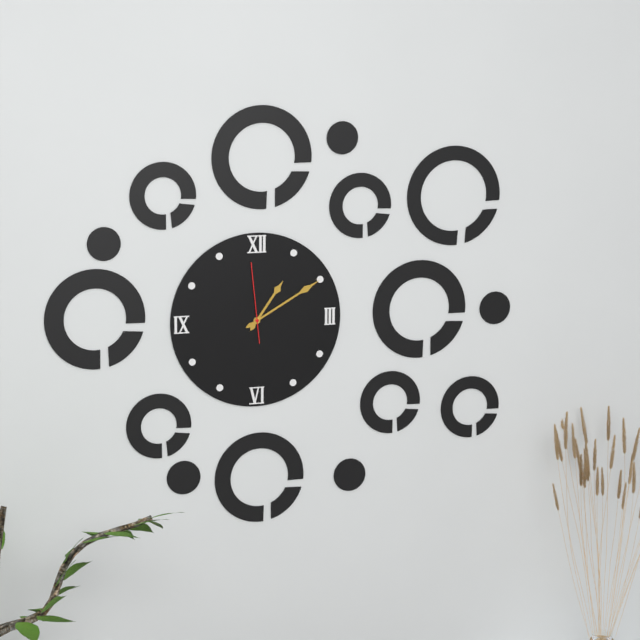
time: **1:10:59**
